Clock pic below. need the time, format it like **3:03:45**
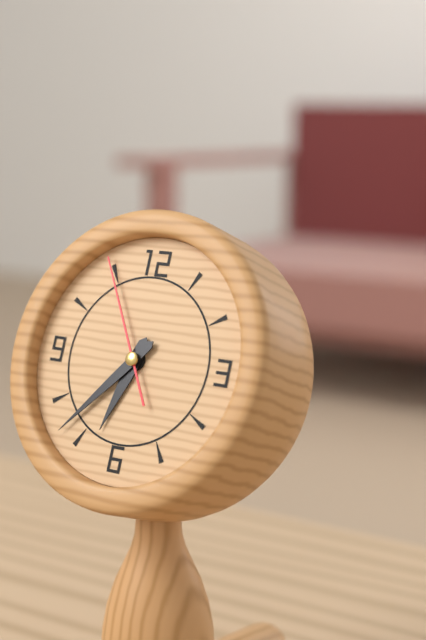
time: **6:37:55**
